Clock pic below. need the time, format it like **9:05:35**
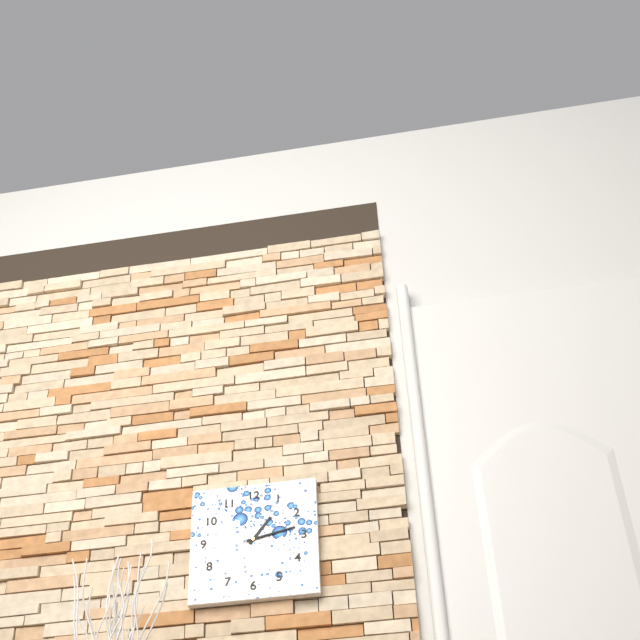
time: **1:13:13**
